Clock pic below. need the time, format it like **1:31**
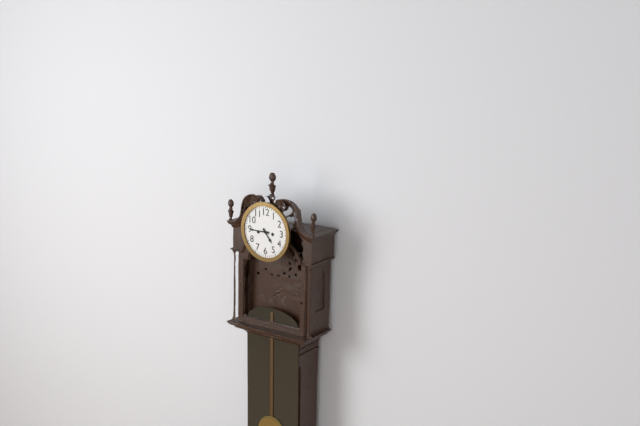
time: **4:45**
